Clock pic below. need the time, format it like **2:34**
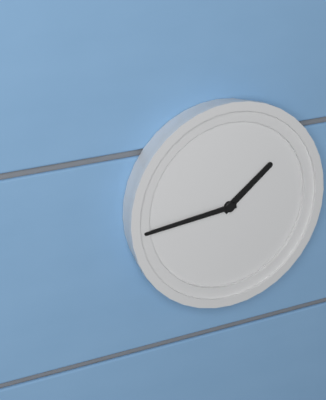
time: **1:44**
